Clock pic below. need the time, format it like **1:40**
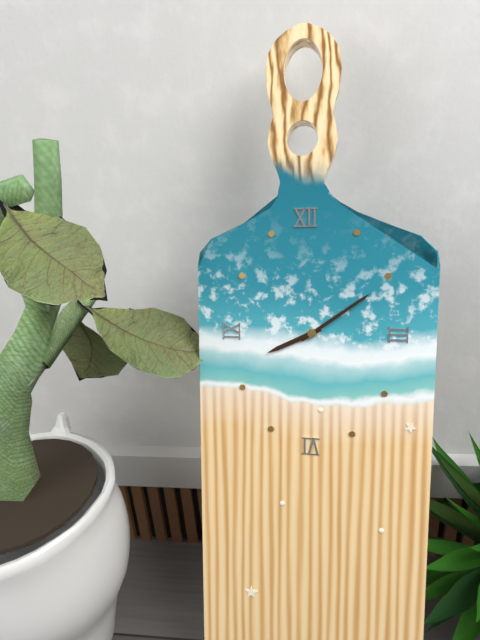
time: **8:09**
